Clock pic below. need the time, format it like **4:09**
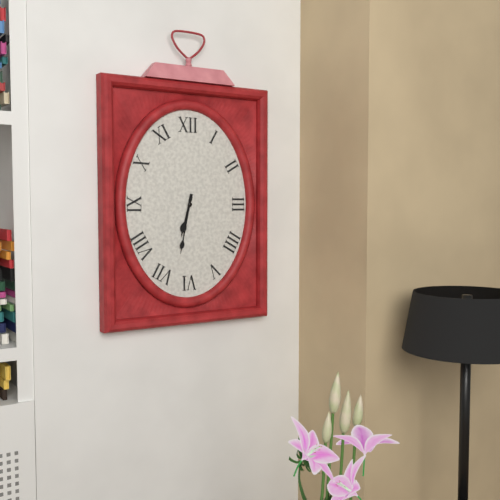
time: **6:32**
